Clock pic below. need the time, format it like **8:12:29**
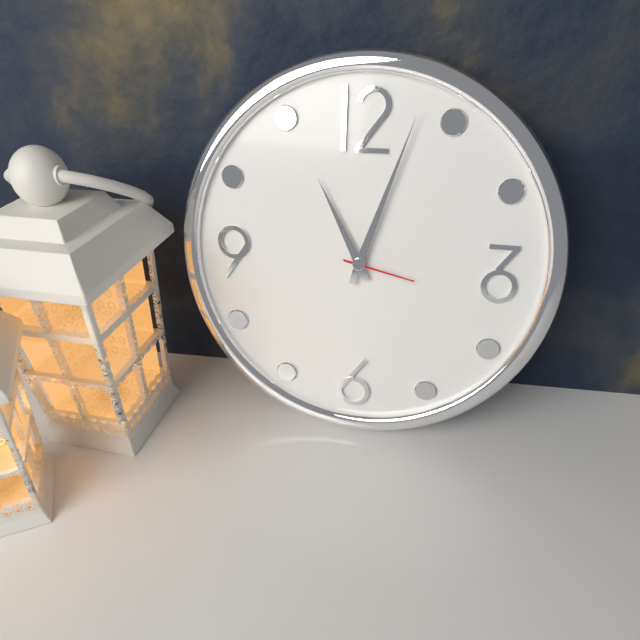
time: **11:03:17**
